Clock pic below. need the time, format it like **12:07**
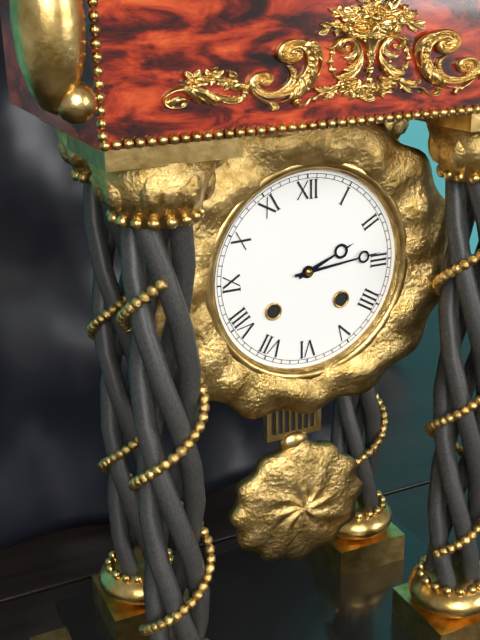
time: **2:14**
